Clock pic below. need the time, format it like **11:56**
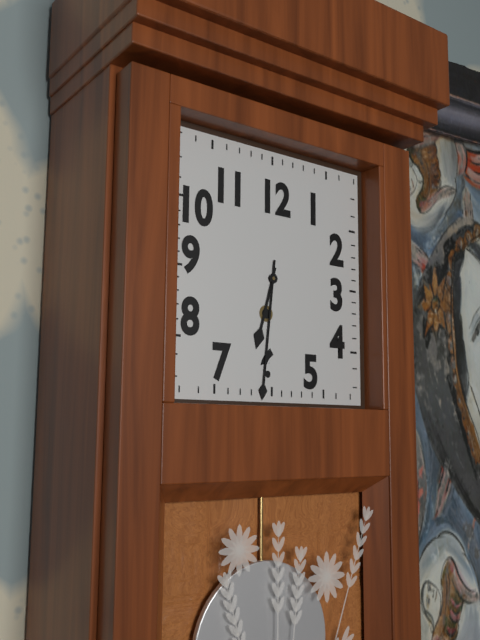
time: **6:31**
